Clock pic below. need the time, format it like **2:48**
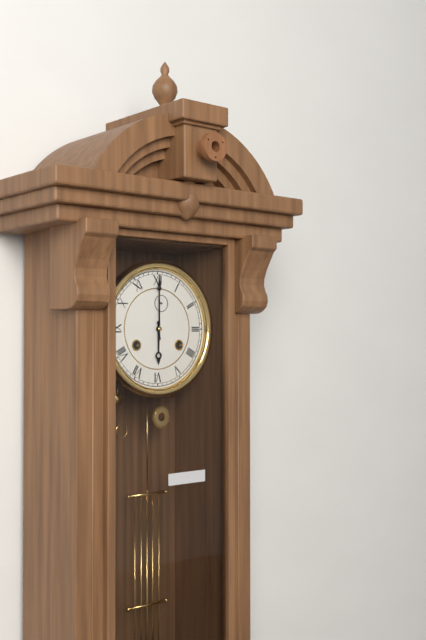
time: **6:00**
